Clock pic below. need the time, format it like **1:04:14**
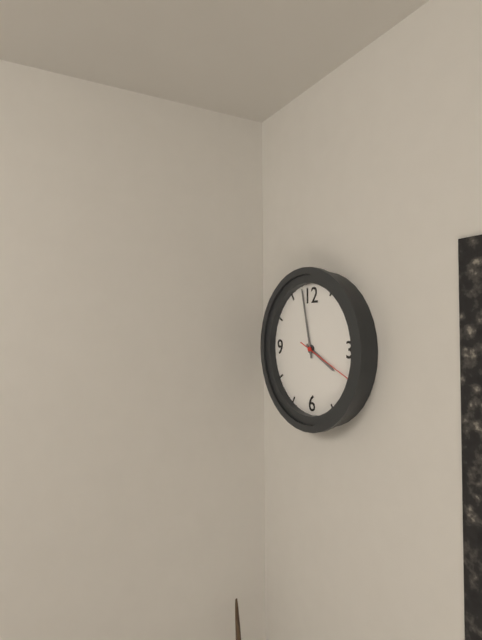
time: **3:58:19**
